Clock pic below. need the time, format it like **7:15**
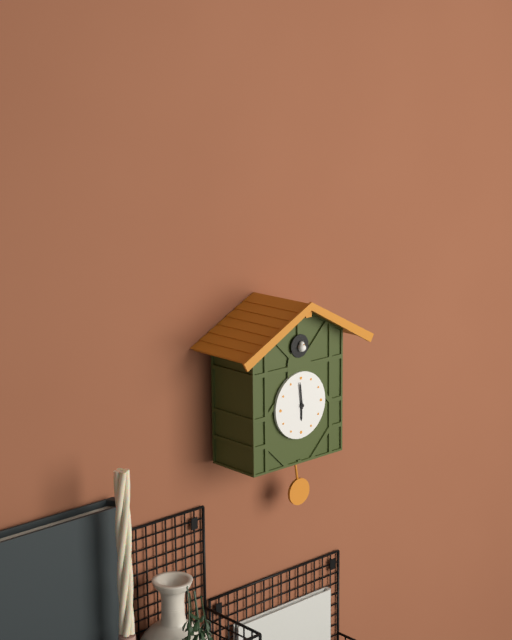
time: **5:59**
